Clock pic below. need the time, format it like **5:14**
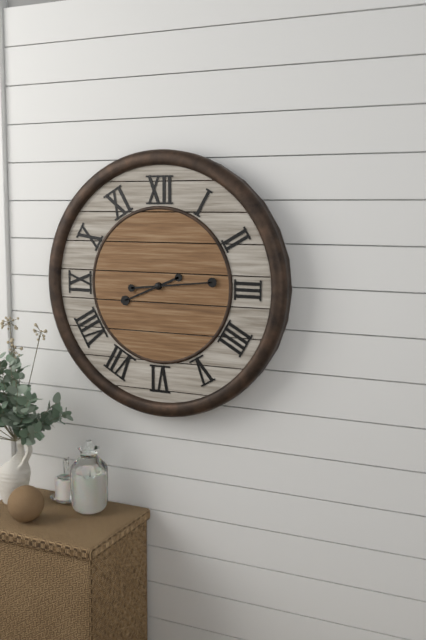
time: **8:14**
